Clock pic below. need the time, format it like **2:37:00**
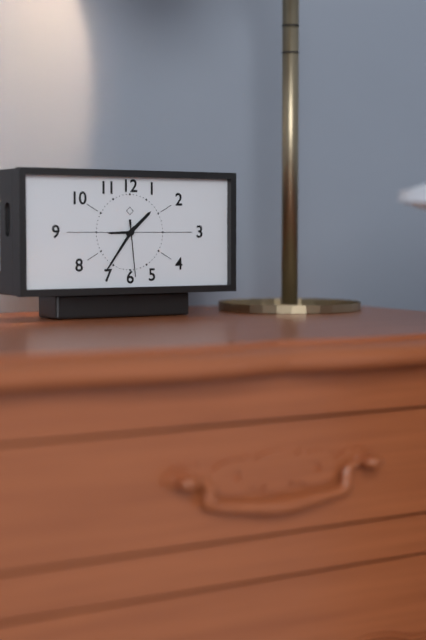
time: **1:36:29**
